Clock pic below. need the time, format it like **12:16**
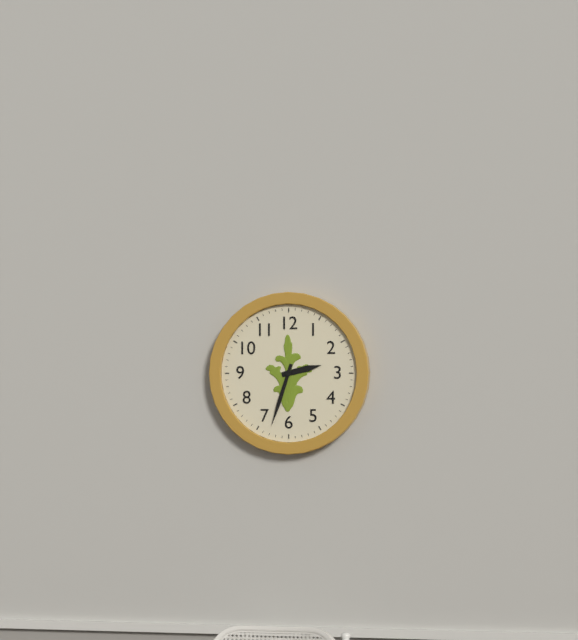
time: **2:33**
